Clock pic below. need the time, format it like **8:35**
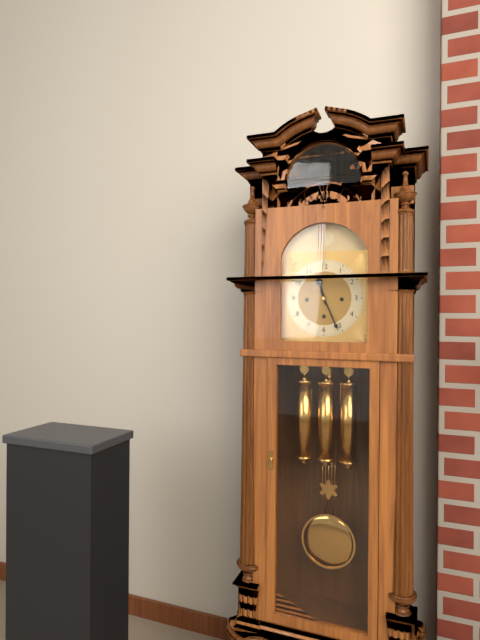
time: **11:26**
